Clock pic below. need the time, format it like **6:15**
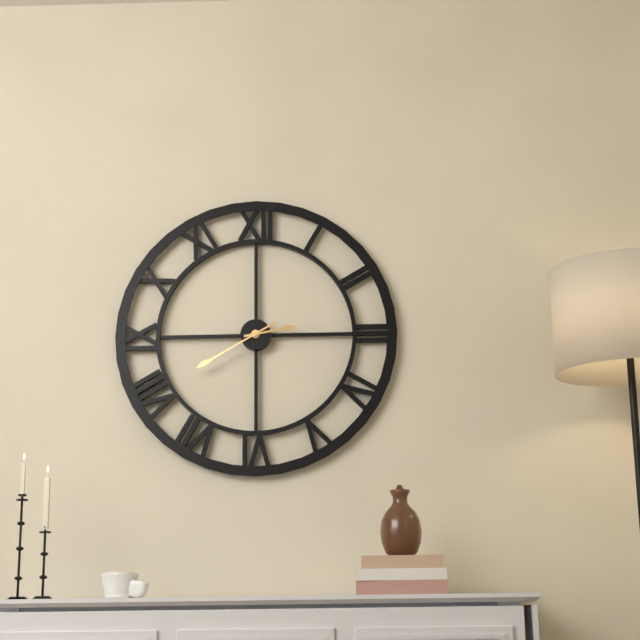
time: **2:40**
